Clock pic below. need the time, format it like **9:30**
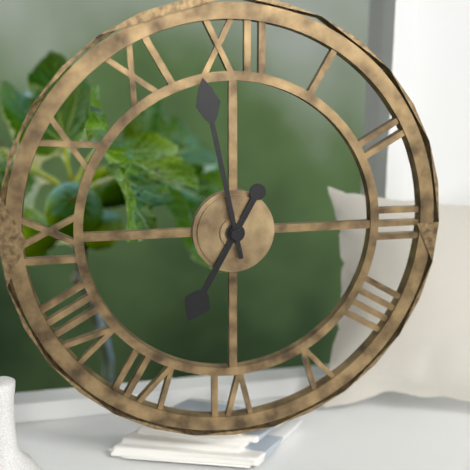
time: **6:58**
